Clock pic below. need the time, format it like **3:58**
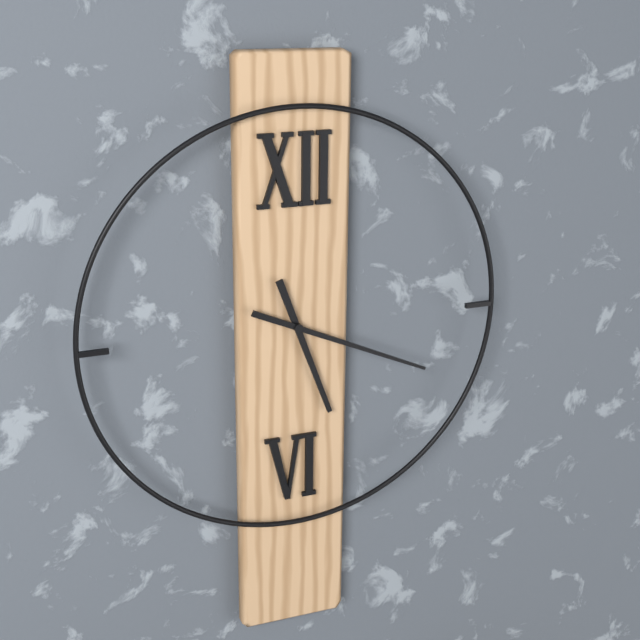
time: **5:19**
